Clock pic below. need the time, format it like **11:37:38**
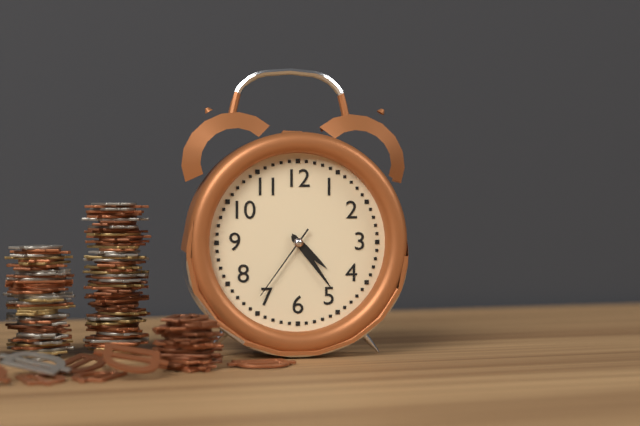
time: **4:24:36**
